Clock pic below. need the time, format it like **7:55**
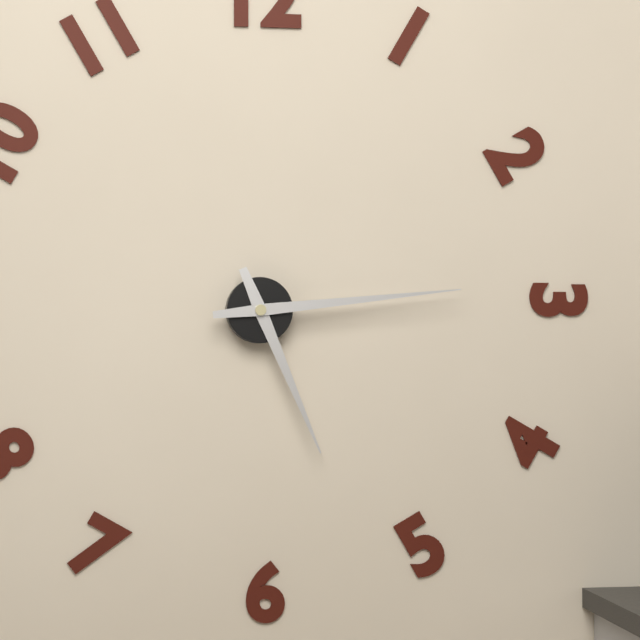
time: **5:14**
